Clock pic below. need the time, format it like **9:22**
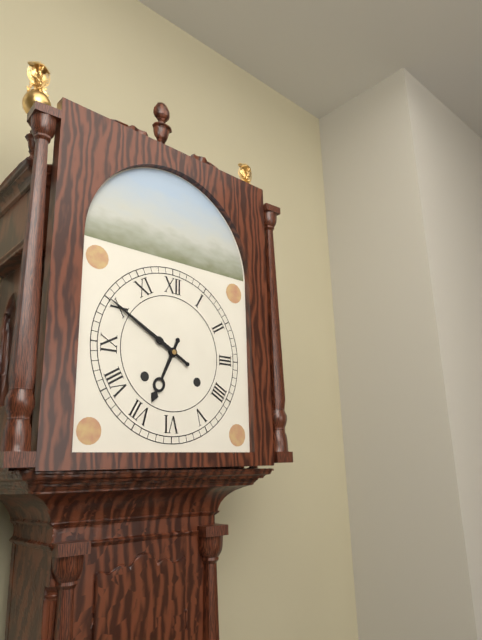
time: **6:50**
